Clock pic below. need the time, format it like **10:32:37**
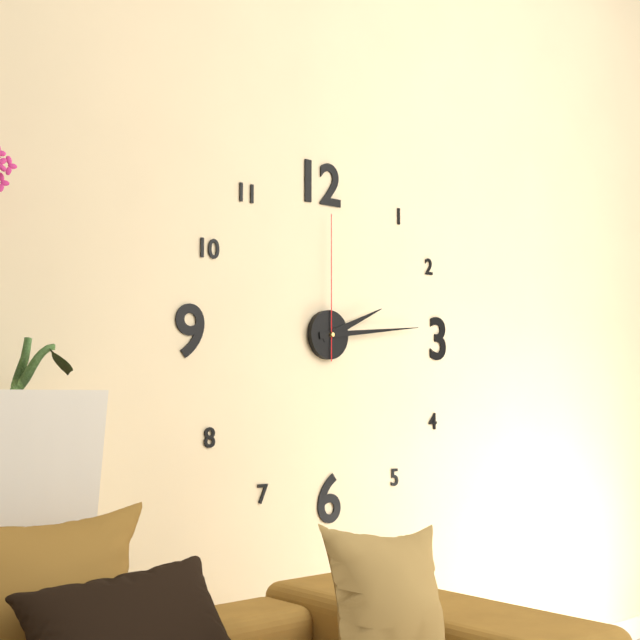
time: **2:14:00**
